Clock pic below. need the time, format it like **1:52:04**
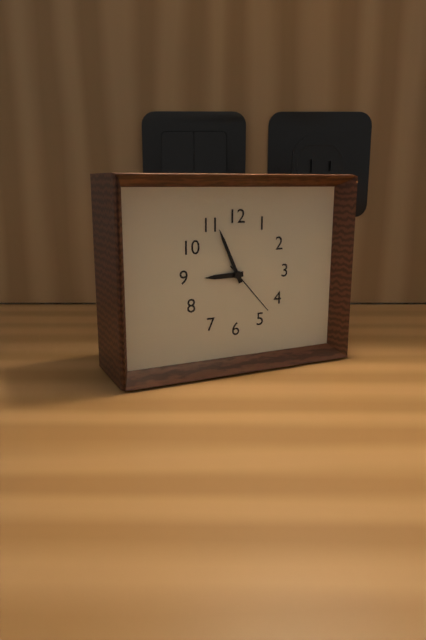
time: **8:56:23**
